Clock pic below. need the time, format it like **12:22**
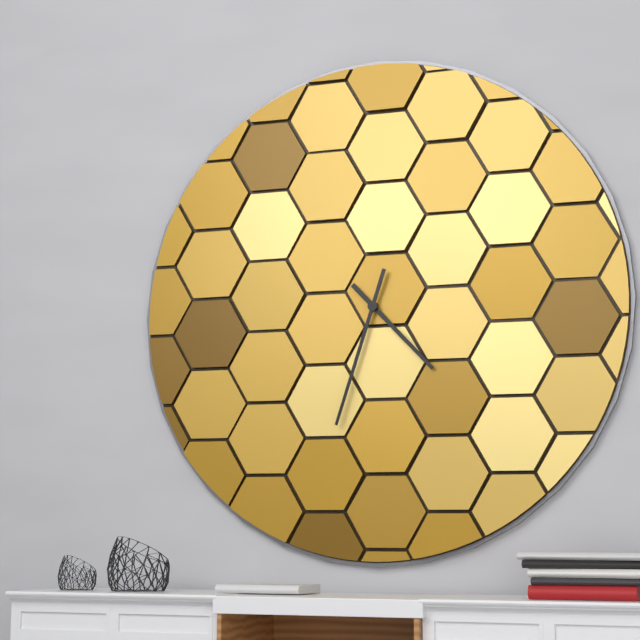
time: **4:33**
